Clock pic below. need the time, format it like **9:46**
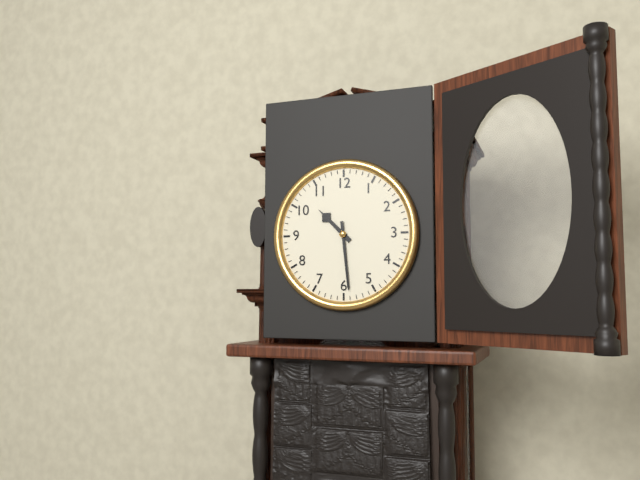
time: **10:29**
